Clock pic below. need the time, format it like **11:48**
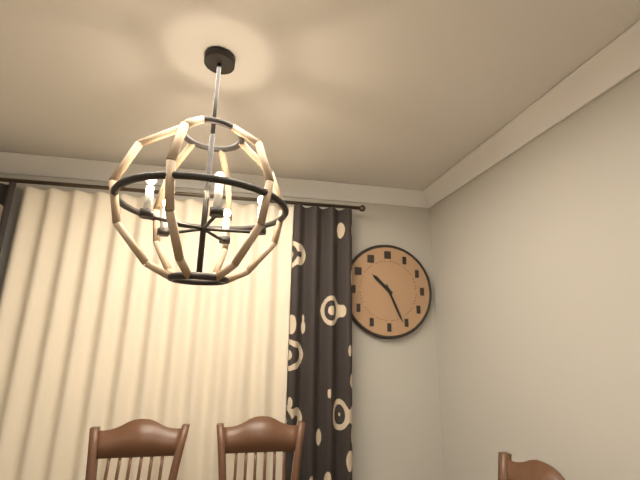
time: **10:26**
